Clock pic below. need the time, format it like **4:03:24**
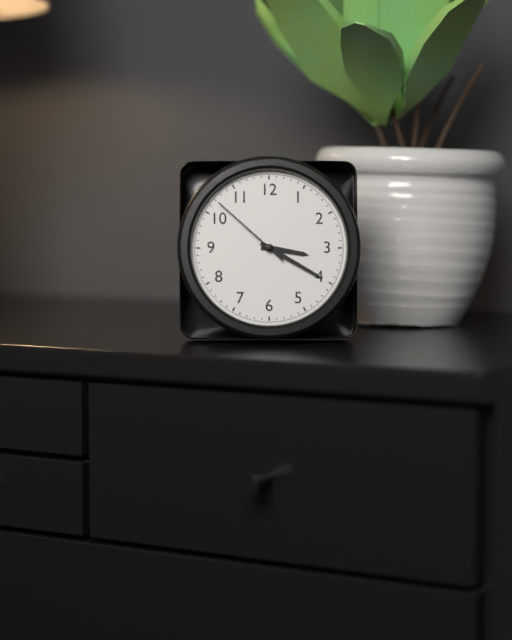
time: **3:20:52**
